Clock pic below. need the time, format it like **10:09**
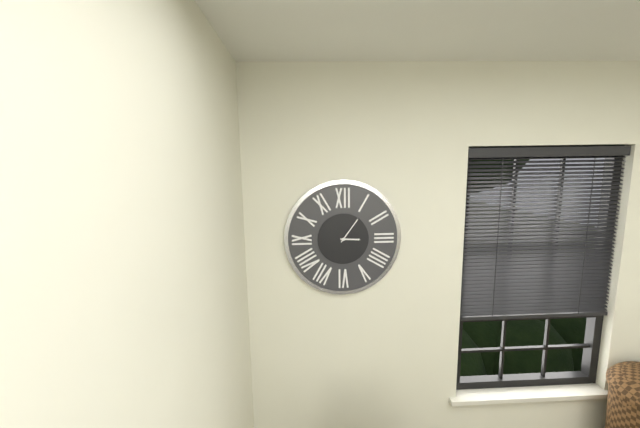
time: **3:06**
